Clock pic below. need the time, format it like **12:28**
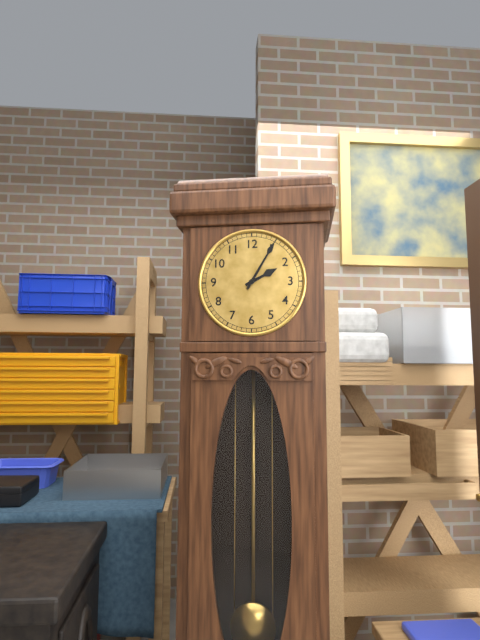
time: **2:05**
